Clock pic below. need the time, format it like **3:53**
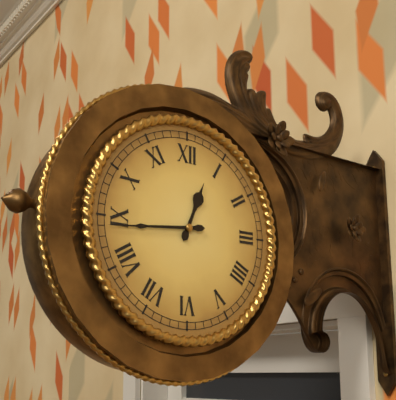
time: **12:44**
